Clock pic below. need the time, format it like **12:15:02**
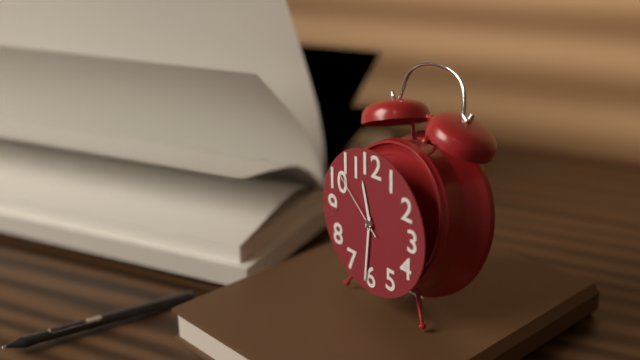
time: **11:31:52**
